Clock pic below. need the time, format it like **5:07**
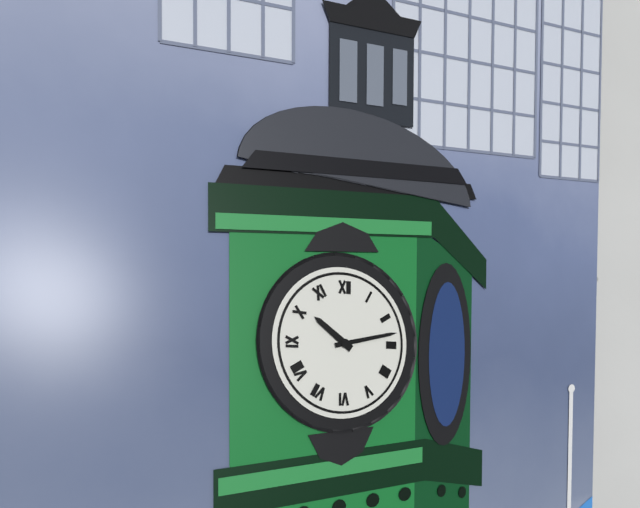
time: **10:13**
